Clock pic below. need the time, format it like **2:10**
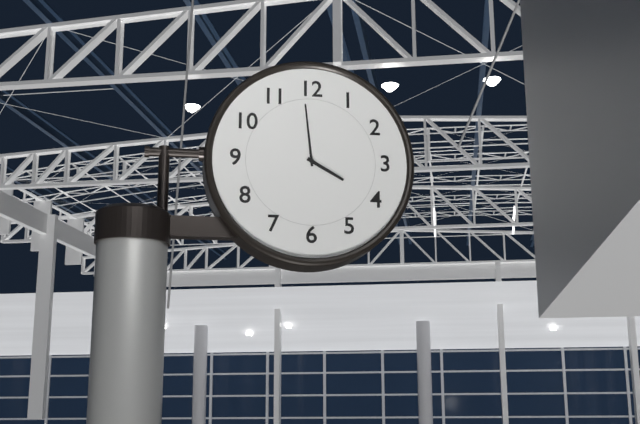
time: **3:59**
